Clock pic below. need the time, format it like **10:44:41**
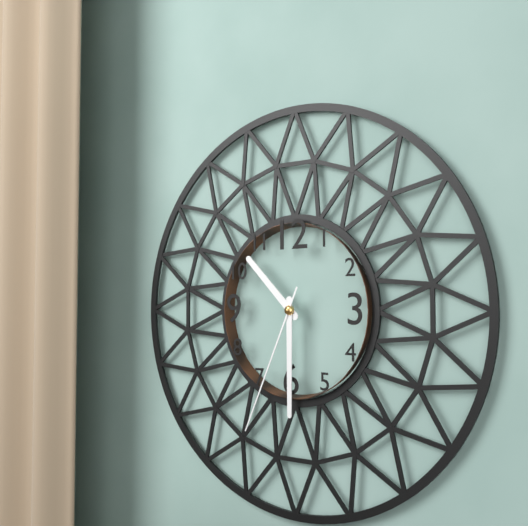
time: **10:30:34**
